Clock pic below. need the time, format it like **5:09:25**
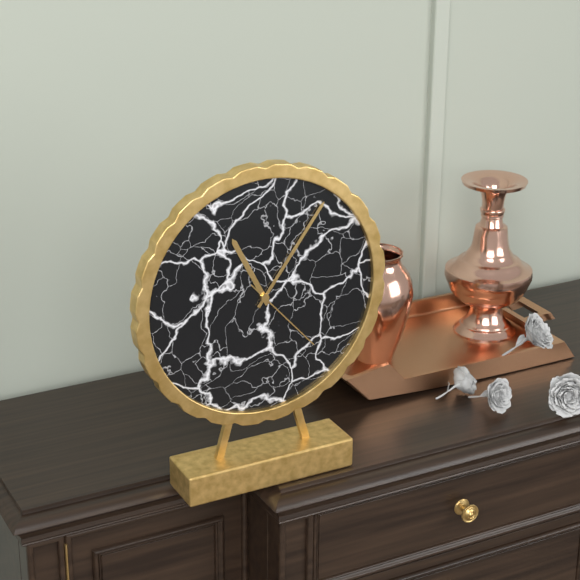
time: **11:06:23**
